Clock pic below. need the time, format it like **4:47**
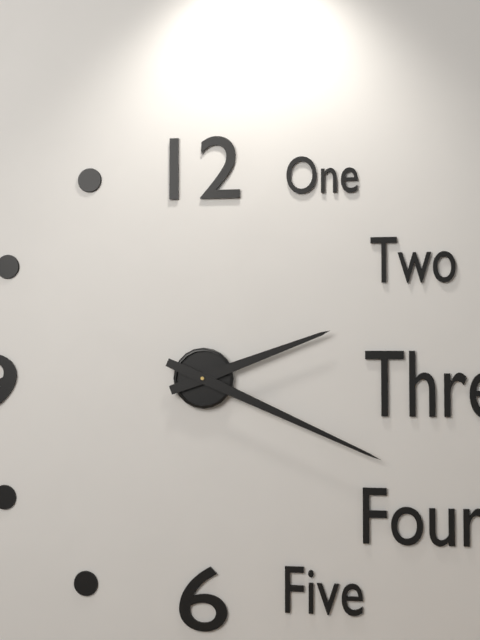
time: **2:19**
